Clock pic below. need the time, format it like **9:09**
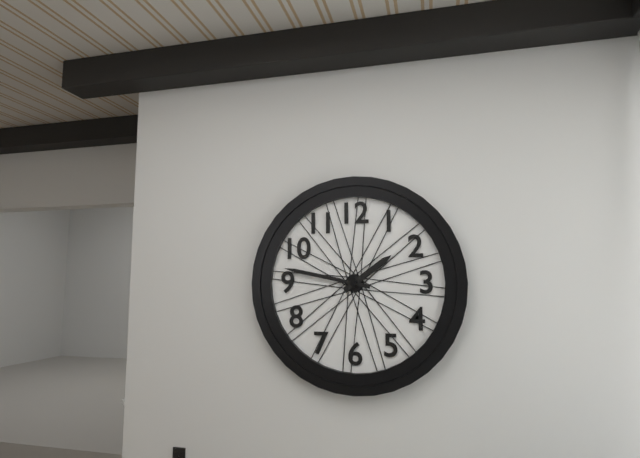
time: **1:47**
